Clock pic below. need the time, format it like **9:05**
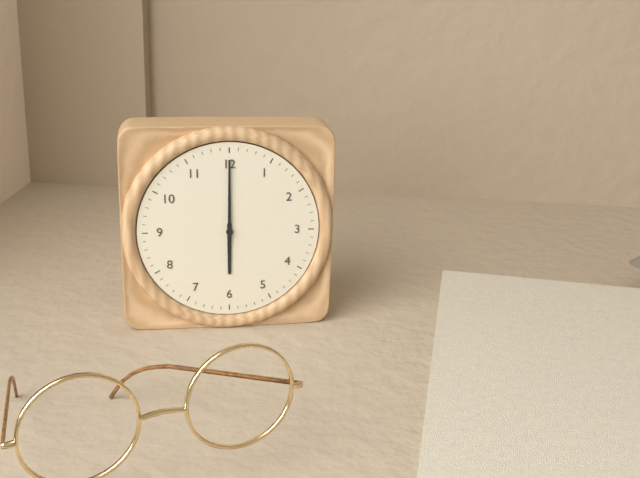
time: **6:00**
